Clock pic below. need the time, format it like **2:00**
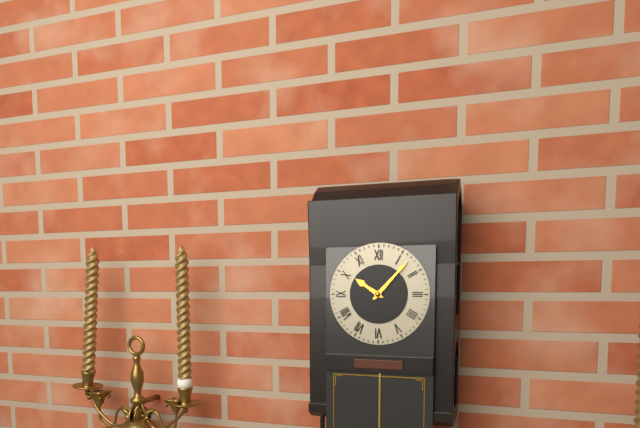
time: **10:07**
